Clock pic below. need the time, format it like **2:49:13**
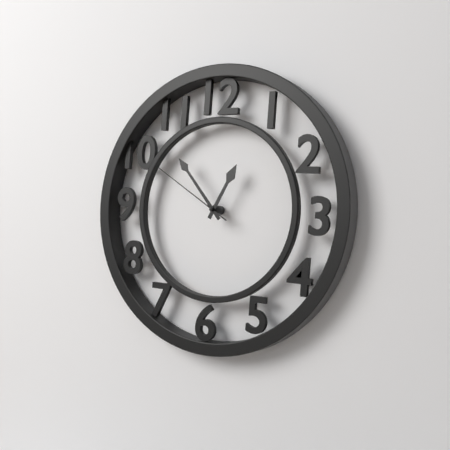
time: **12:53:50**
